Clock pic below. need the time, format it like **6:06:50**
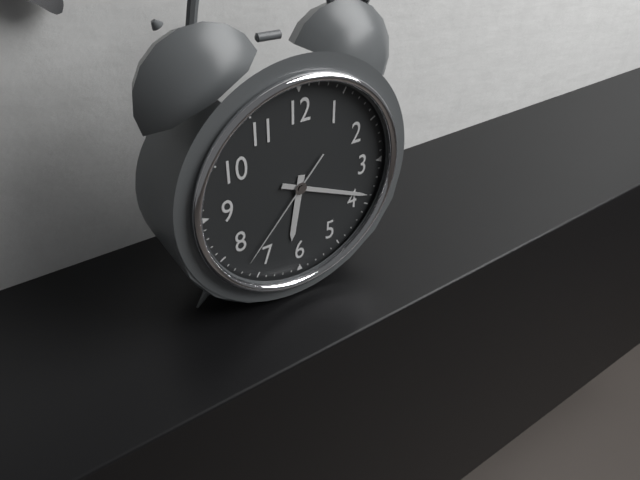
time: **6:19:37**
